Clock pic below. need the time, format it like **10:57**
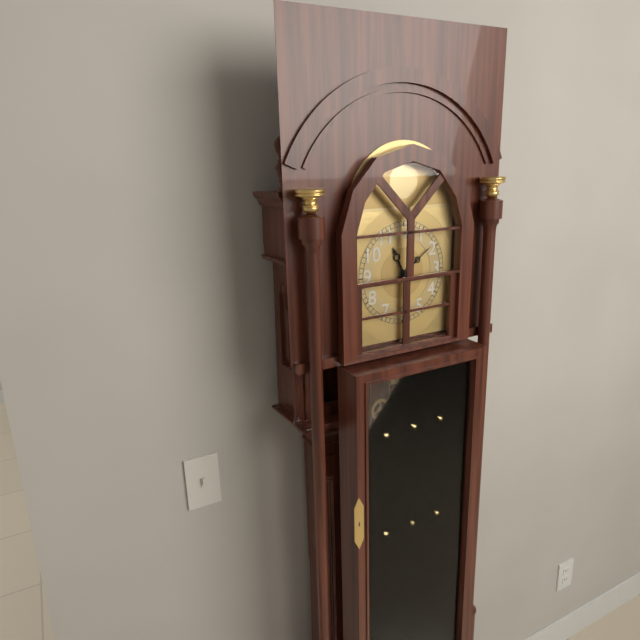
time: **11:09**
